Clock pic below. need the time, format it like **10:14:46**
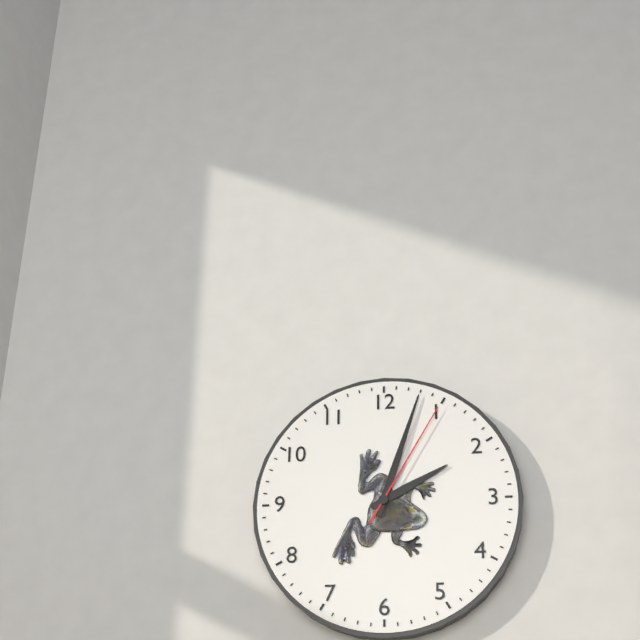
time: **2:03:05**
